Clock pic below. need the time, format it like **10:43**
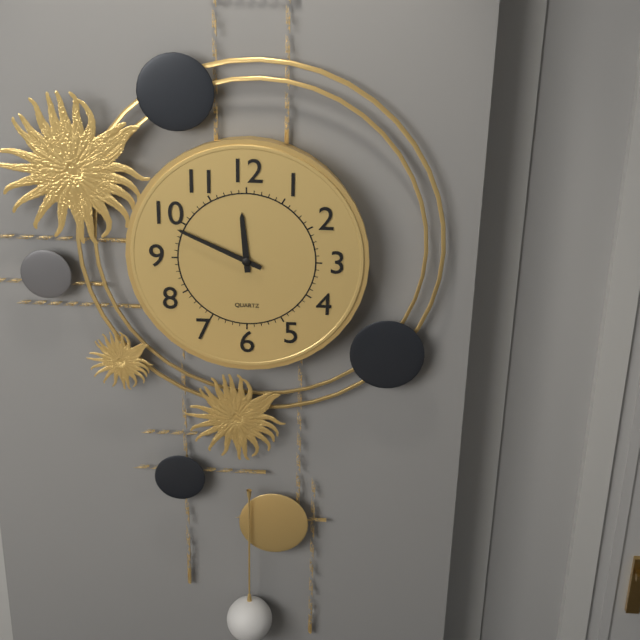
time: **11:49**
